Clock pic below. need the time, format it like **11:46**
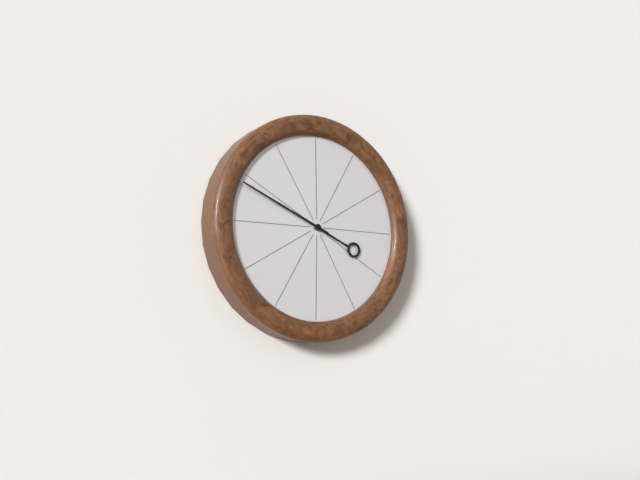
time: **3:49**
